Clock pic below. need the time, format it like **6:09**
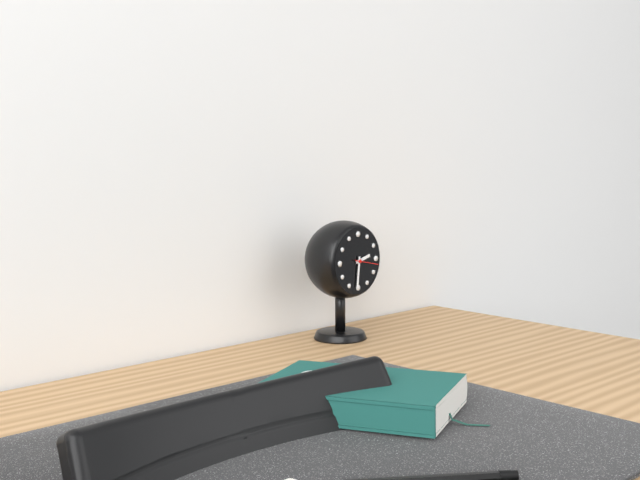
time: **2:31**
